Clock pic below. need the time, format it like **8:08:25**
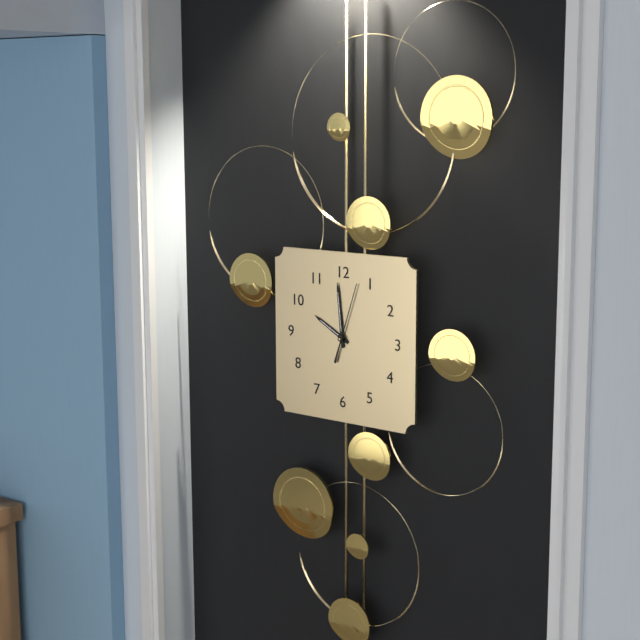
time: **9:59:03**
